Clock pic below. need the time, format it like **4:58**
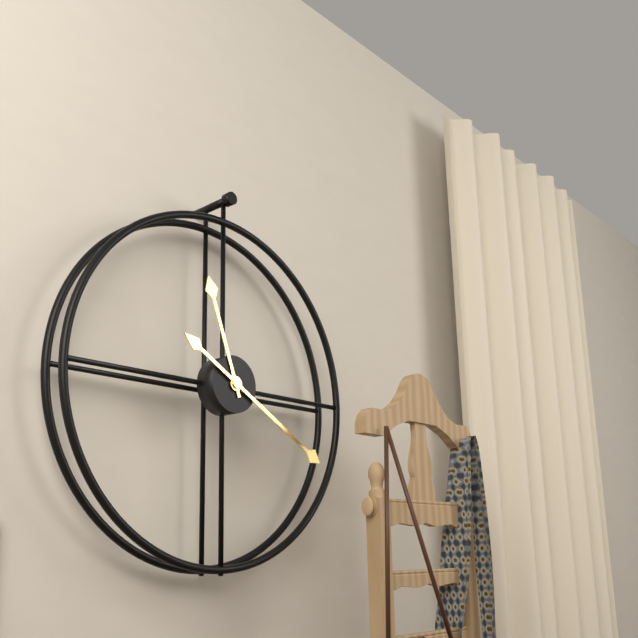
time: **11:20**
